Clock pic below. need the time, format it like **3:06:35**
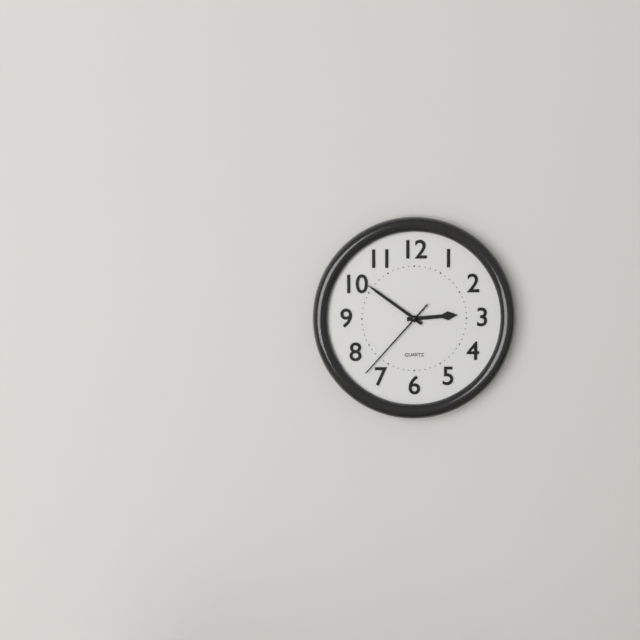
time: **2:51:37**
